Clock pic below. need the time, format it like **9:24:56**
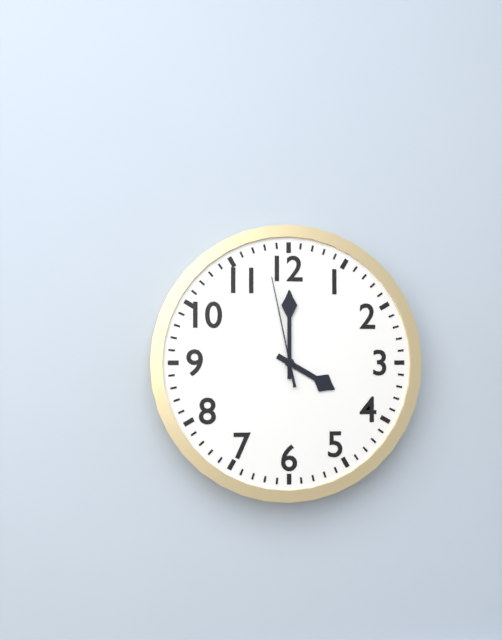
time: **4:00:58**
